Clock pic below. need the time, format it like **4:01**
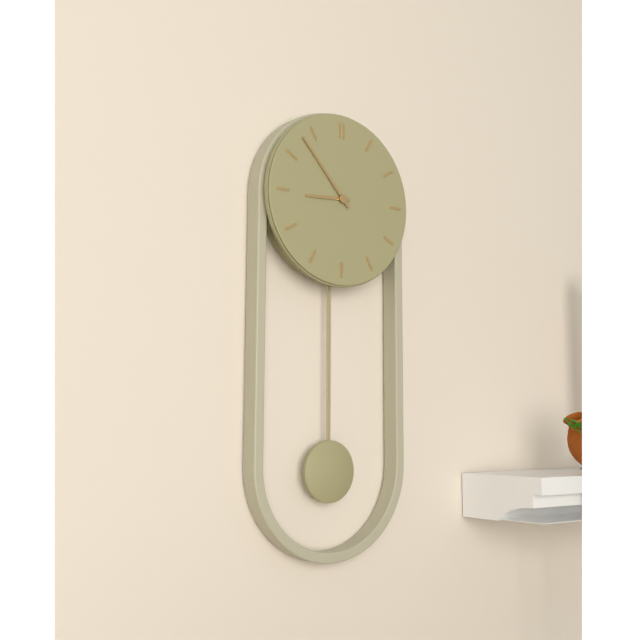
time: **8:53**
